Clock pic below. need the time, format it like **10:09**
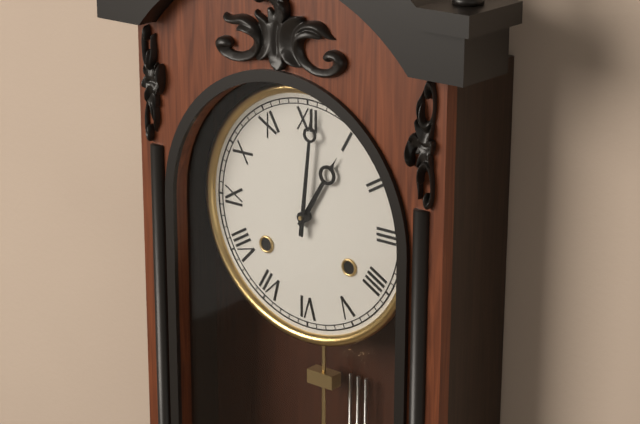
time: **1:01**
